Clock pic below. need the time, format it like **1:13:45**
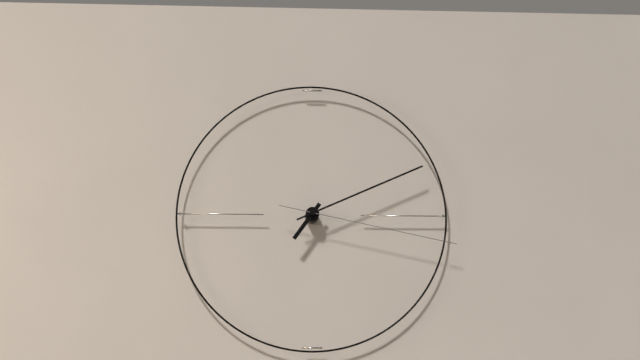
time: **7:11:17**
